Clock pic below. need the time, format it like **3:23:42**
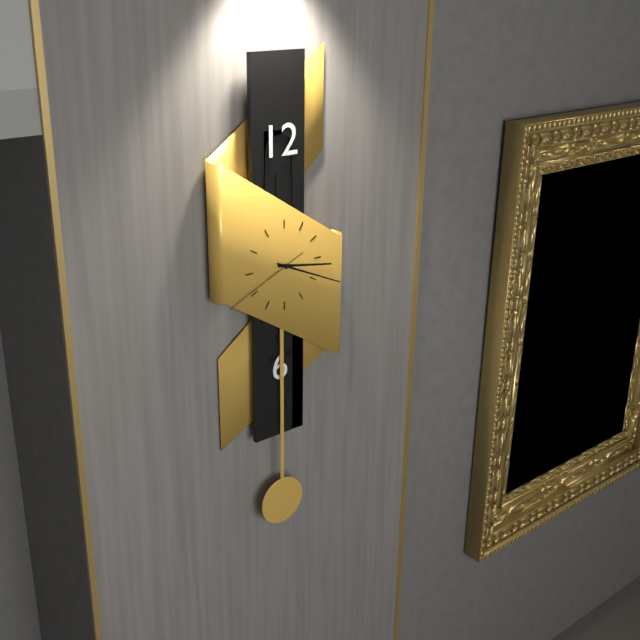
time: **3:19:41**
